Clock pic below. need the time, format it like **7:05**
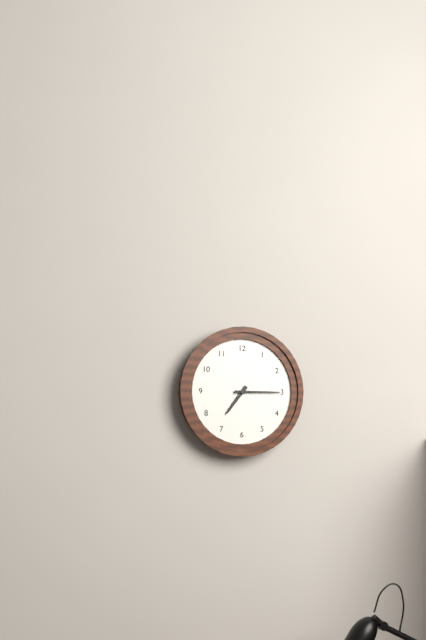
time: **7:15**
